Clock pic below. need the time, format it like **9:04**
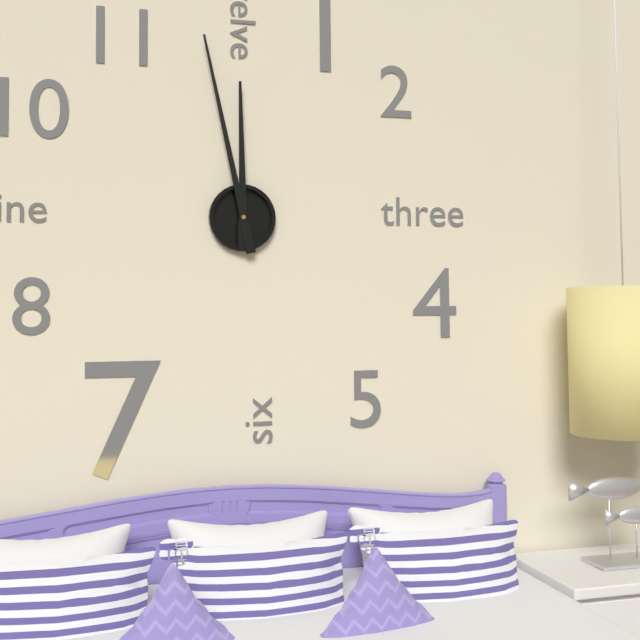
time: **11:58**
